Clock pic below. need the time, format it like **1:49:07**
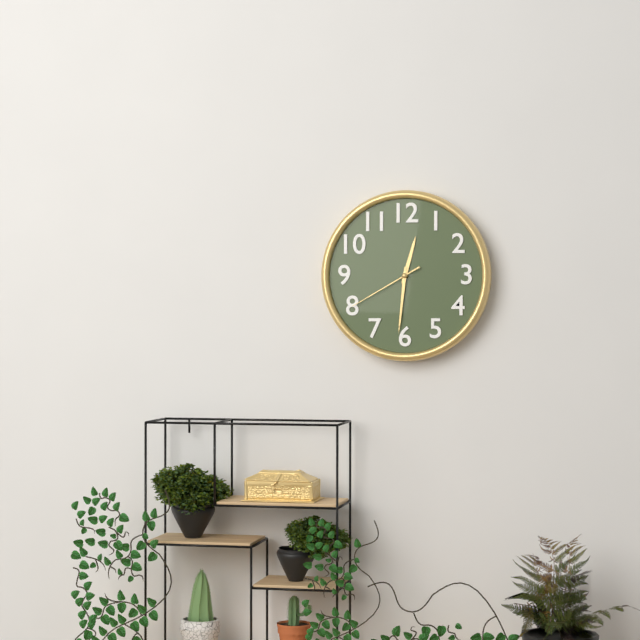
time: **12:31:40**
